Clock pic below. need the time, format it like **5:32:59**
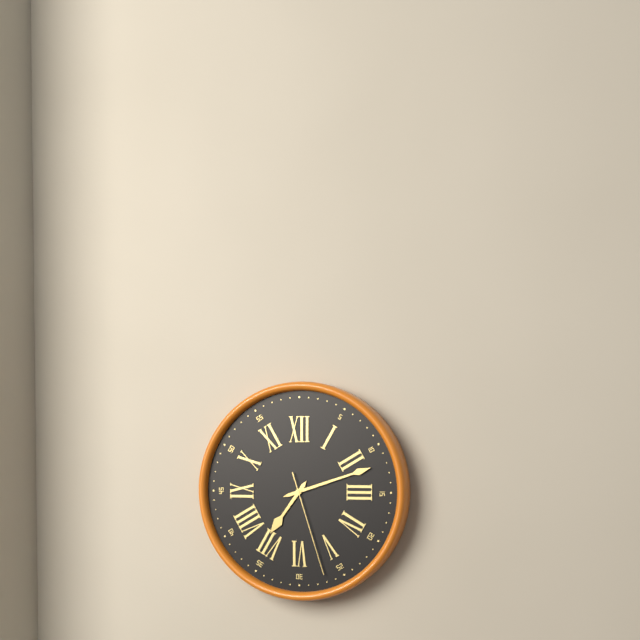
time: **7:12:27**
